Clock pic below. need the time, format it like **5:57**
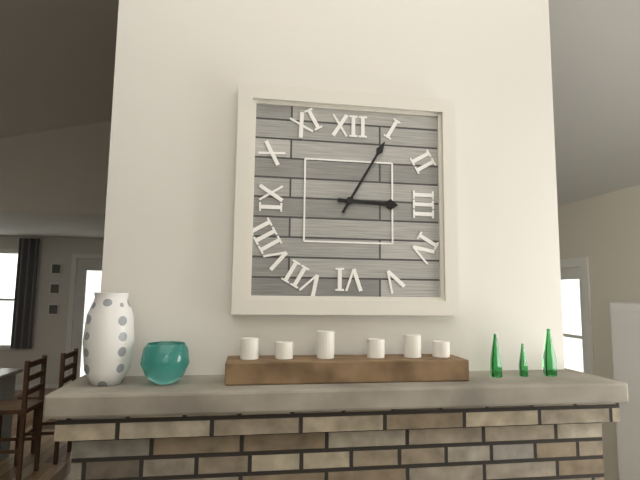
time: **3:05**
